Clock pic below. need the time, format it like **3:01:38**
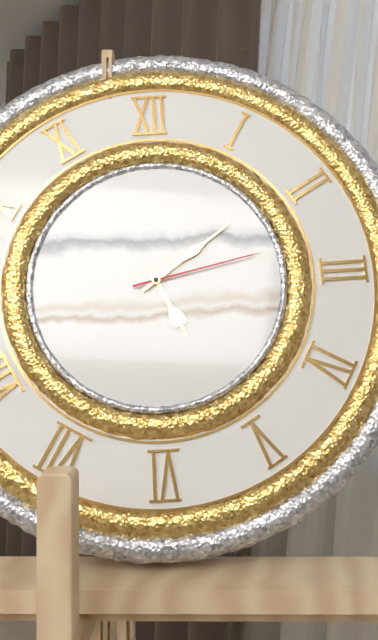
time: **5:09:13**
